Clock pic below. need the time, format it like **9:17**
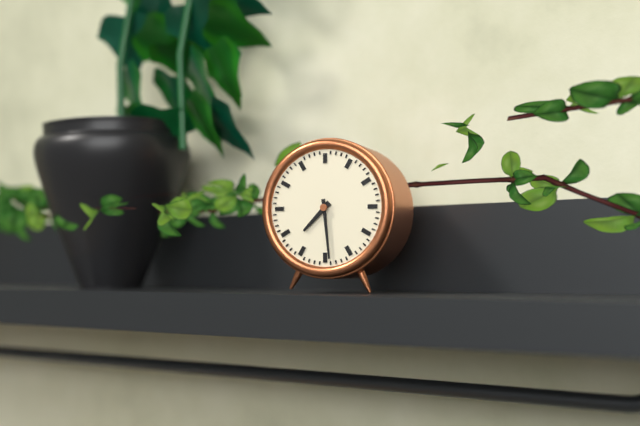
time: **7:29**
